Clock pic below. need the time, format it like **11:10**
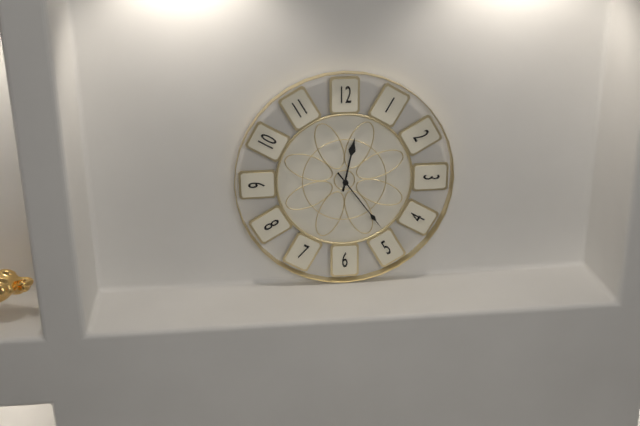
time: **12:24**
